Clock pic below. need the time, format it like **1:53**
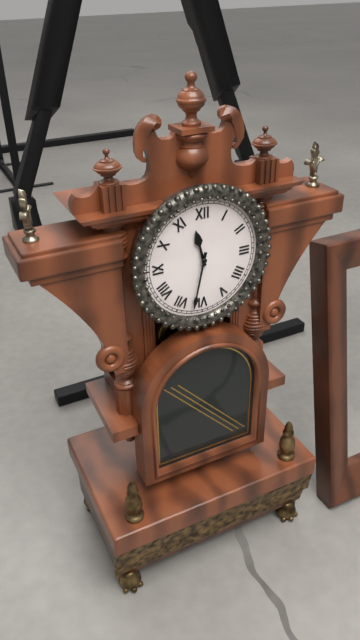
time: **11:32**
